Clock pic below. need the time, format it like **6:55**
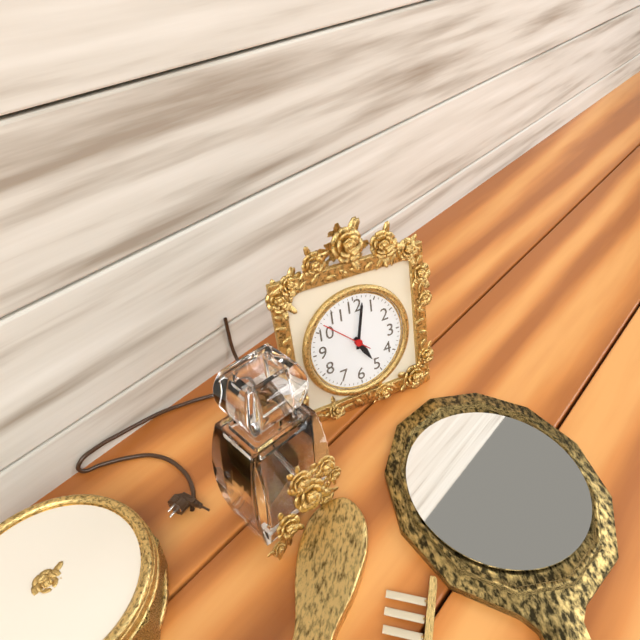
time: **5:02**
